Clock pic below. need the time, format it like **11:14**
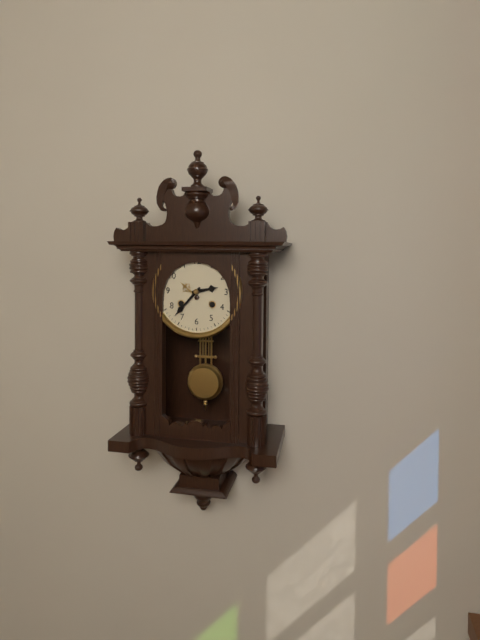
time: **2:37**
